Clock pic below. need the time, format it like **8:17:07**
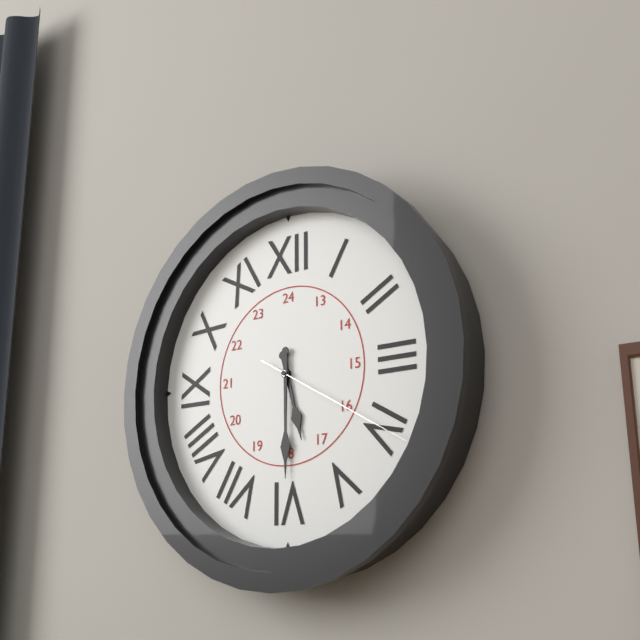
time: **5:30:20**
